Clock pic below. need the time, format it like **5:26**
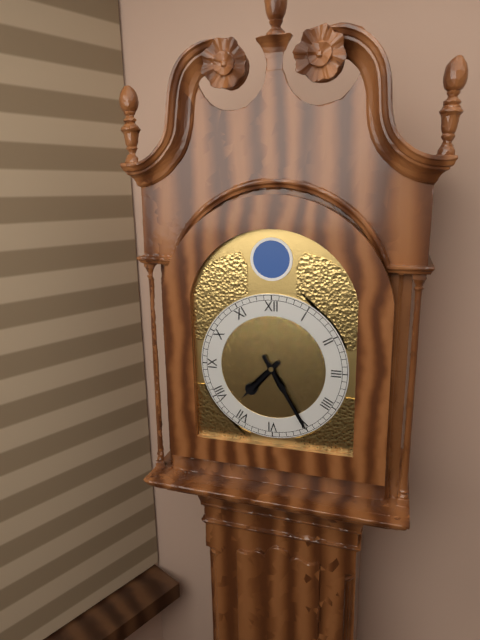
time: **7:25**
